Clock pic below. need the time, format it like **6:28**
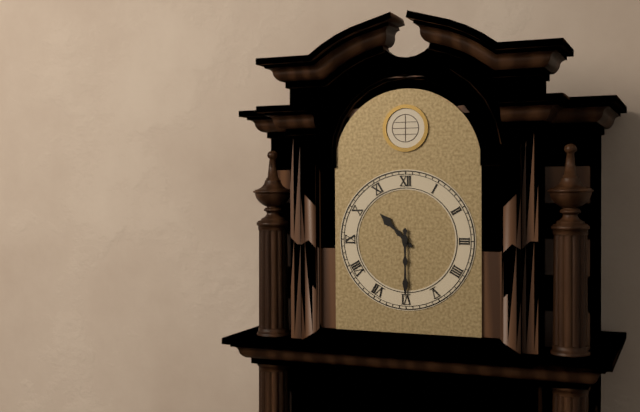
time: **10:30**
